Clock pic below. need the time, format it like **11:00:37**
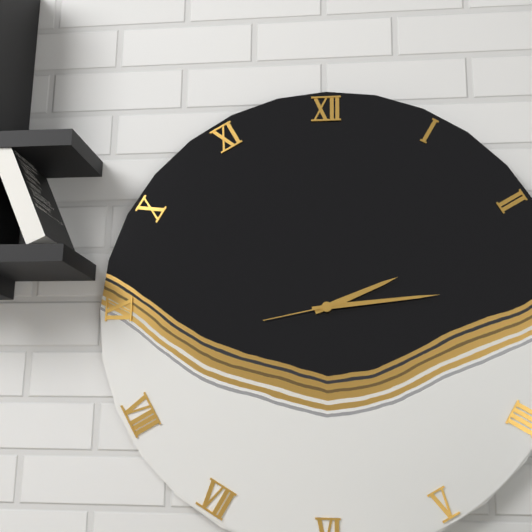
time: **2:14:43**
